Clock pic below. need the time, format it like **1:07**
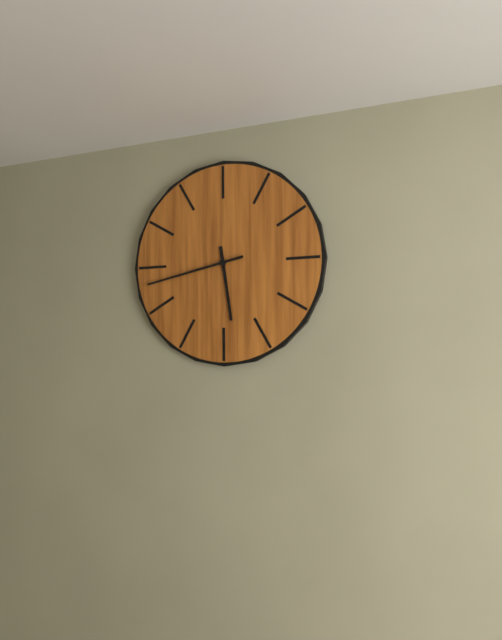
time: **5:43**
